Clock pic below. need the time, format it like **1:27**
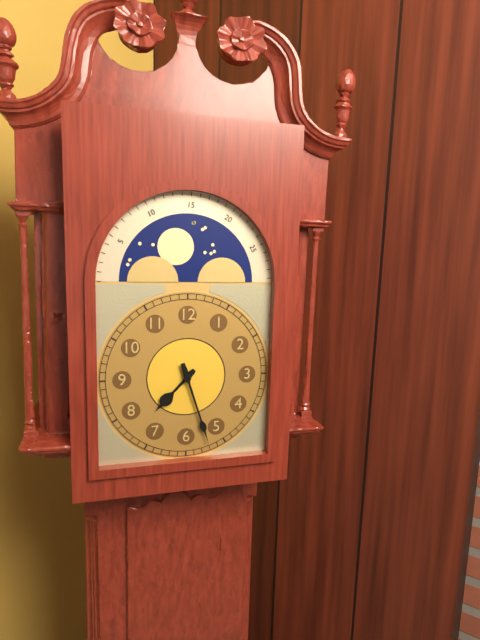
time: **7:27**
